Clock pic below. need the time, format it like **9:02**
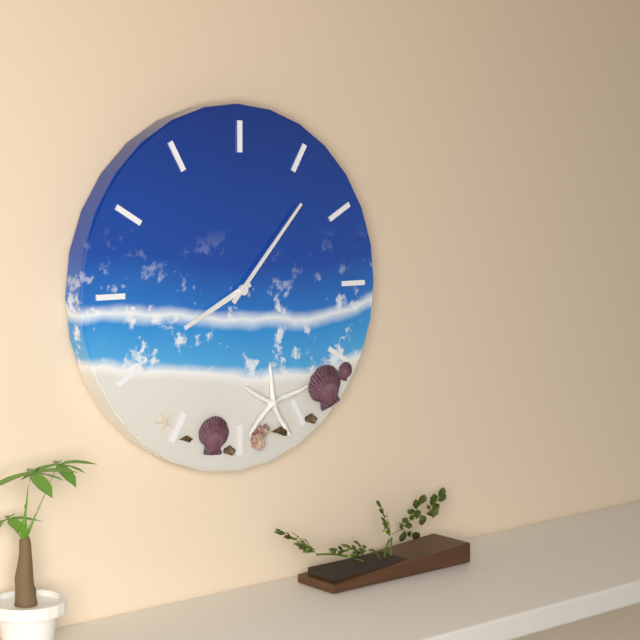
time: **8:07**
